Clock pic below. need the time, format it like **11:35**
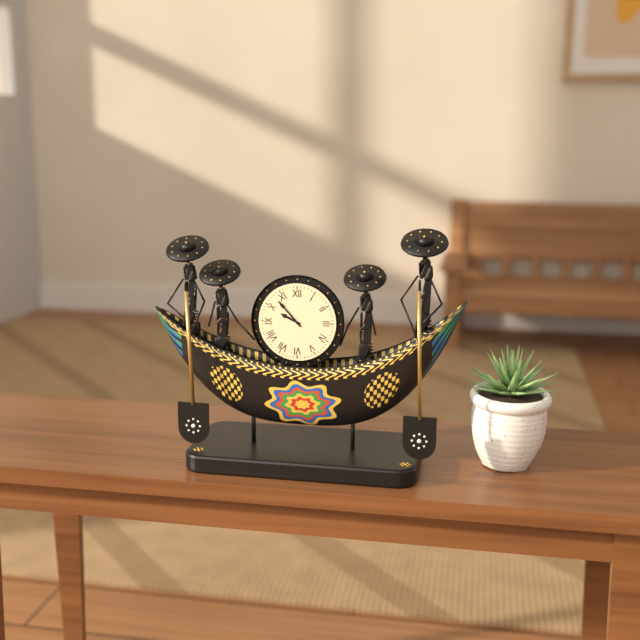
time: **9:53**
